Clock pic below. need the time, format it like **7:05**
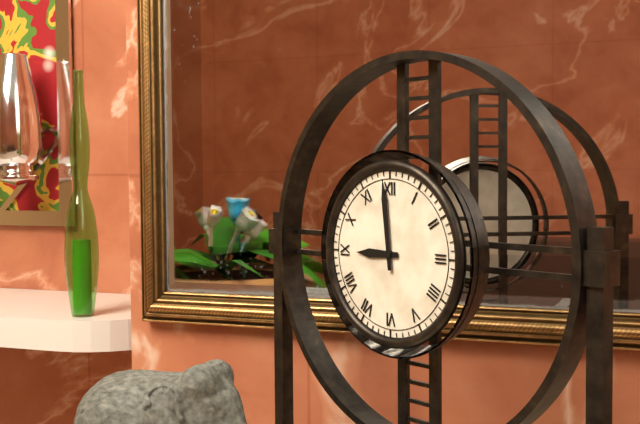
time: **8:59**
